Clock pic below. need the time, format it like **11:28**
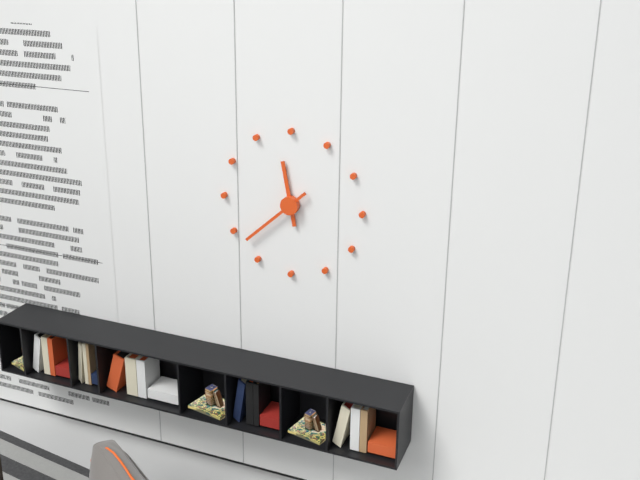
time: **11:38**
